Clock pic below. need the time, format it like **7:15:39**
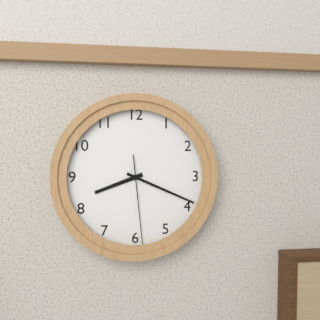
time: **8:19:29**
